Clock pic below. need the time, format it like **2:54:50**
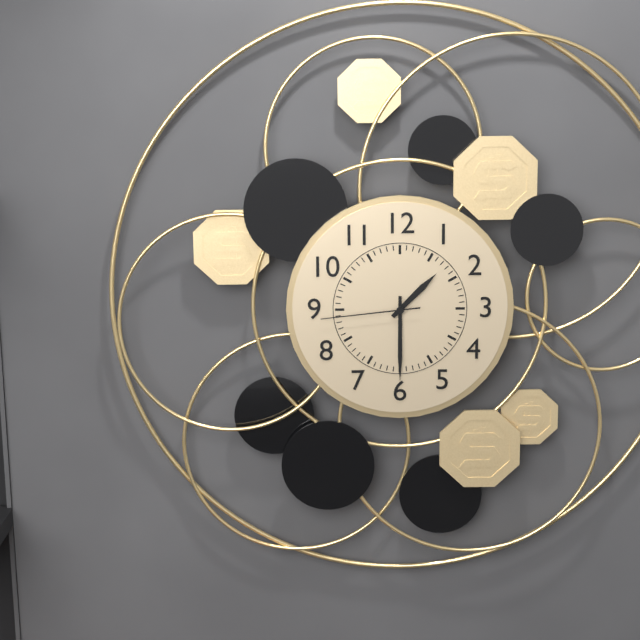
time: **1:30:44**
